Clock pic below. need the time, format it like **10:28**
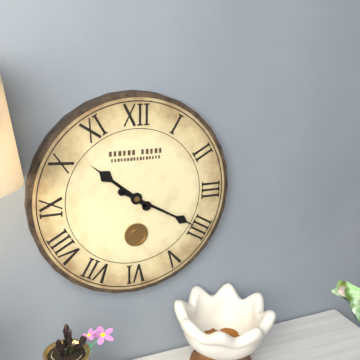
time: **10:20**
